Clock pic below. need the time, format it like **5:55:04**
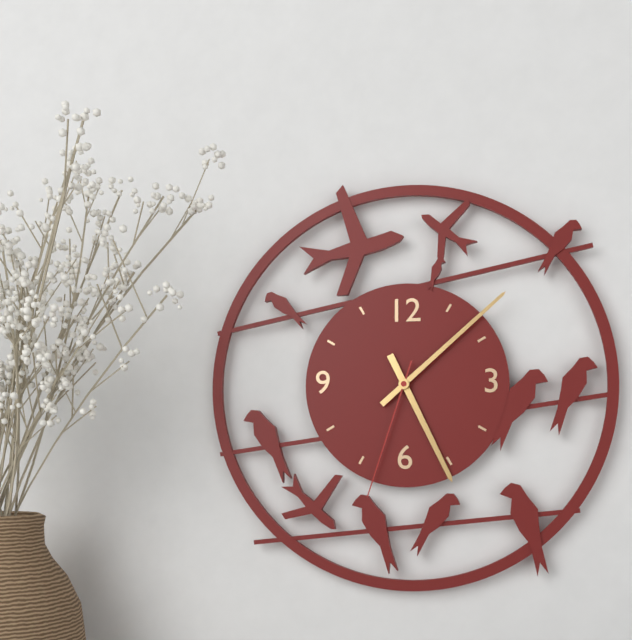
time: **5:08:33**
